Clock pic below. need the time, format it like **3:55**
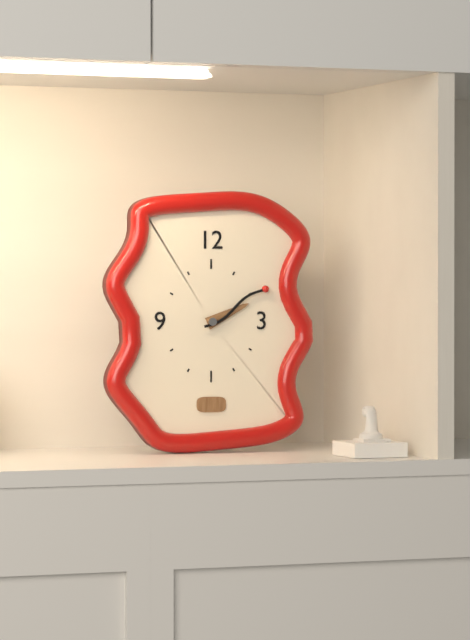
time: **2:10**
